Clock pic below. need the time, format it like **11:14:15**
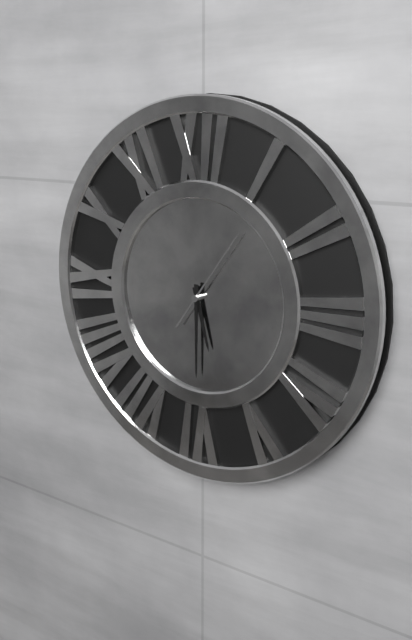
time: **5:30:06**
